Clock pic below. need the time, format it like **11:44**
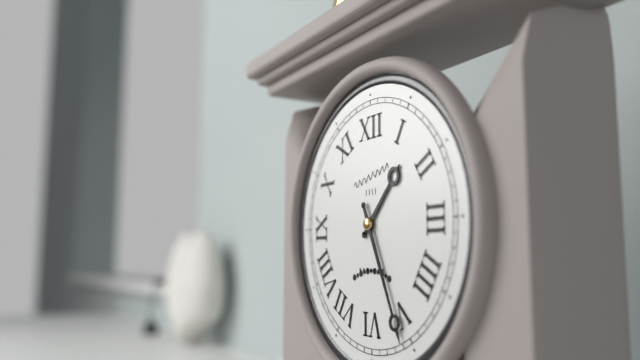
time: **1:26**
